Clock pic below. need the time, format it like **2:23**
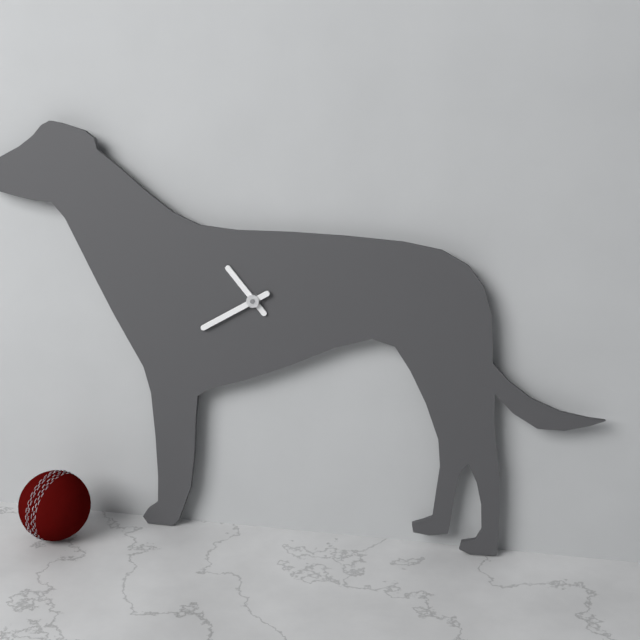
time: **10:40**
